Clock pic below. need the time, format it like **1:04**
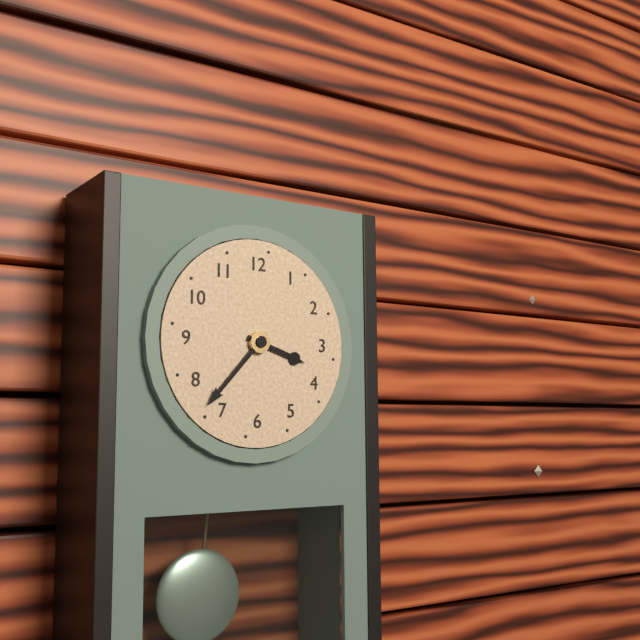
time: **3:37**
